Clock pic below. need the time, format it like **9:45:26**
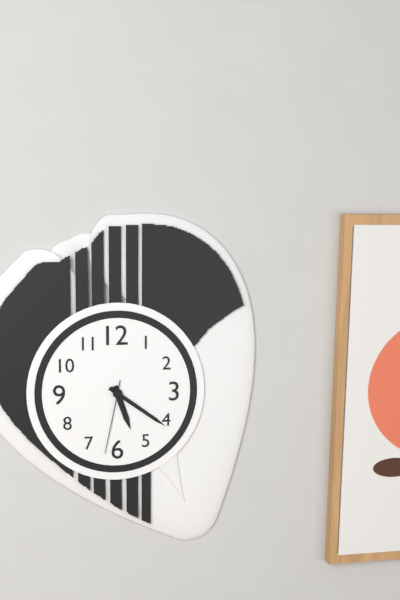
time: **5:21:32**
